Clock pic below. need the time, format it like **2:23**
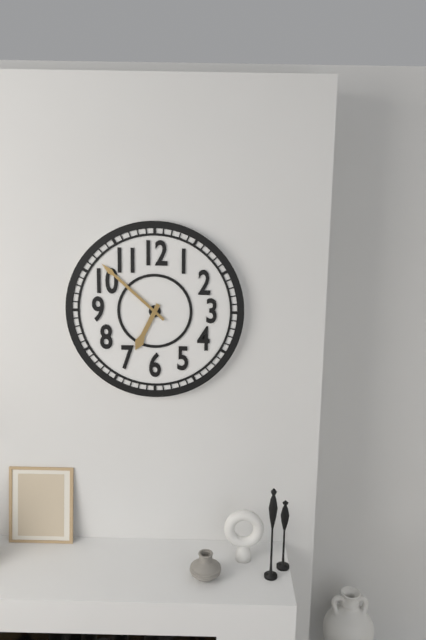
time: **6:52**
